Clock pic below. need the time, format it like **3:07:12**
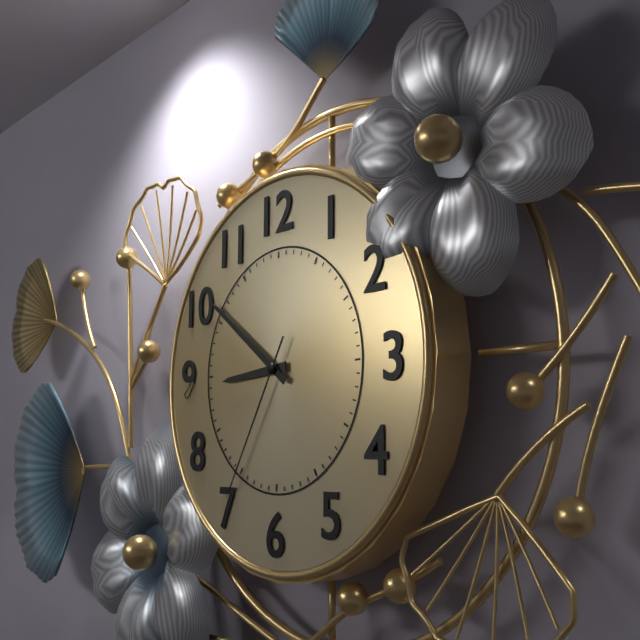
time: **8:51:35**
